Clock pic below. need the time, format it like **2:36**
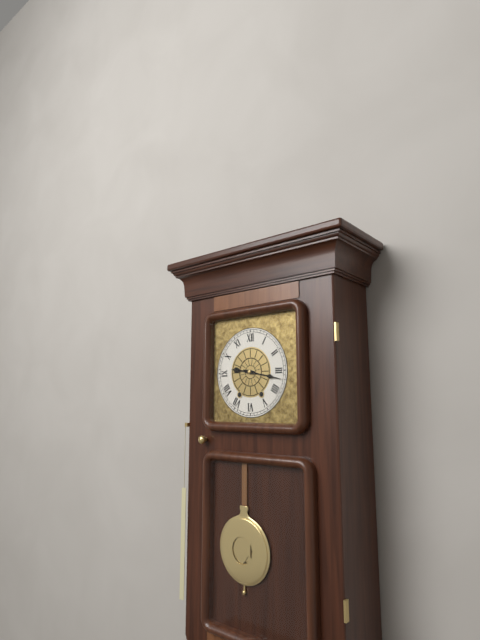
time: **9:17**
